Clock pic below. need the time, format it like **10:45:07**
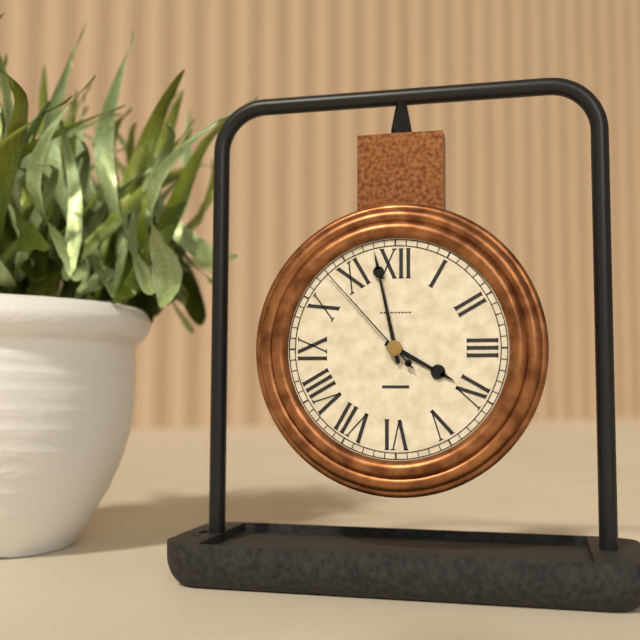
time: **3:58:53**
